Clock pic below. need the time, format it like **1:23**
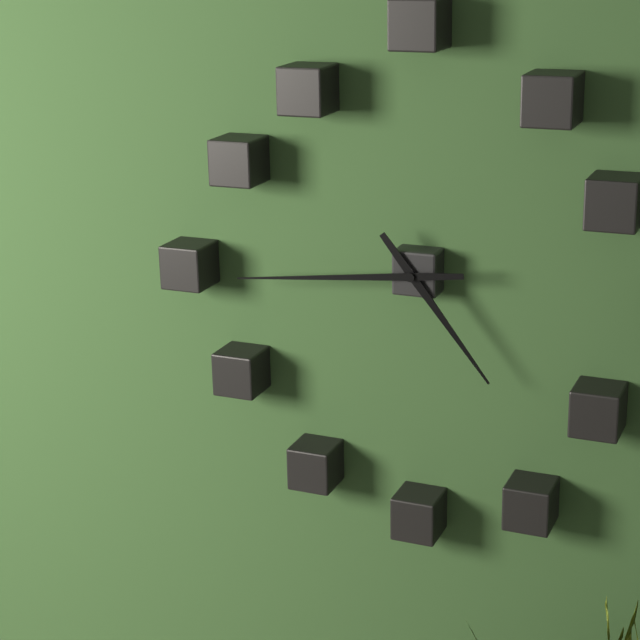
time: **4:44**
